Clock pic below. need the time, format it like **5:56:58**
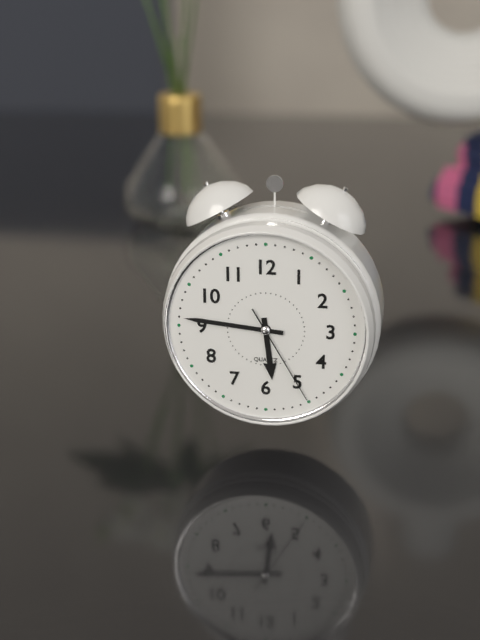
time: **5:46:25**
